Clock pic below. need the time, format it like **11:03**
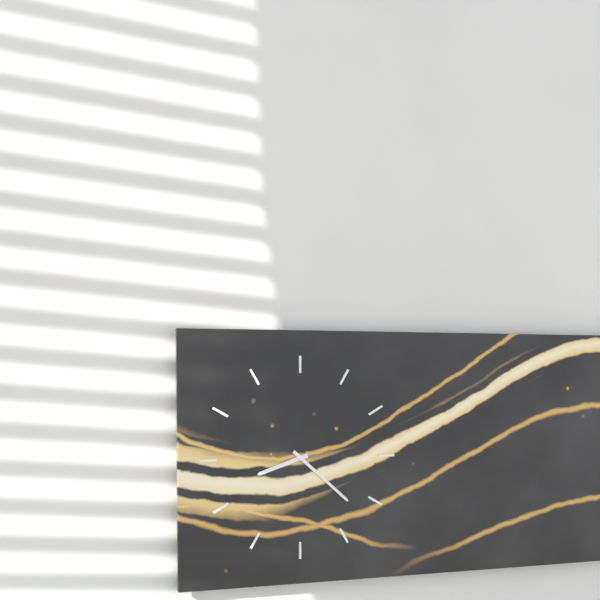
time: **8:22**
